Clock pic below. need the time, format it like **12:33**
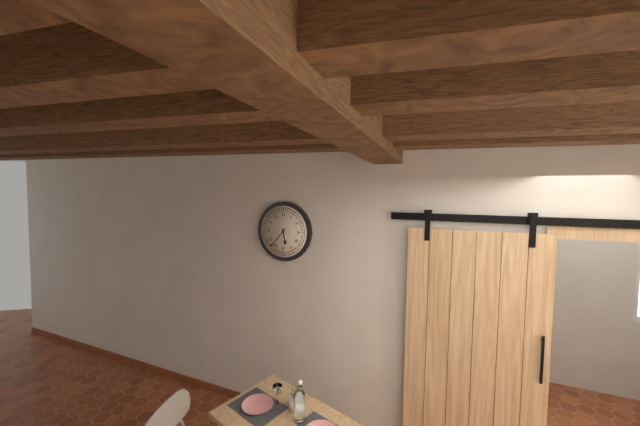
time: **5:37**
